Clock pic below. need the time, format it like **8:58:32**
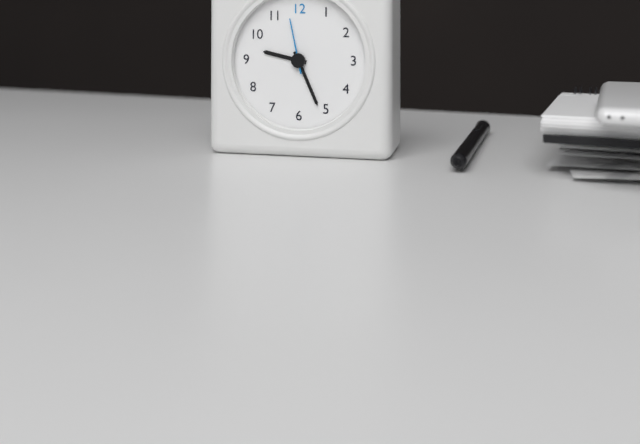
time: **9:26:58**
